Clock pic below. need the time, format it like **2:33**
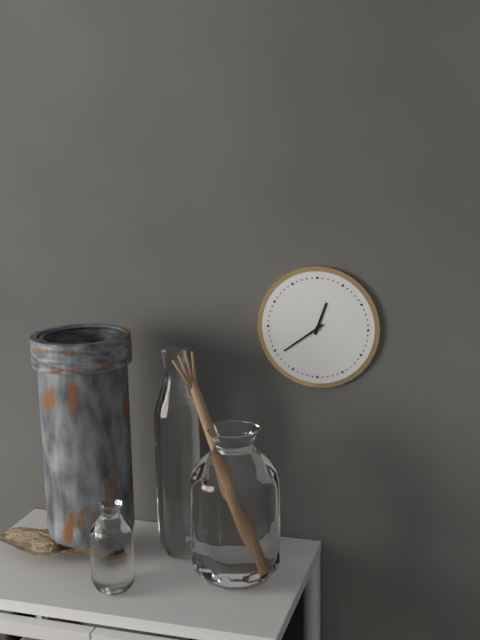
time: **12:39**
